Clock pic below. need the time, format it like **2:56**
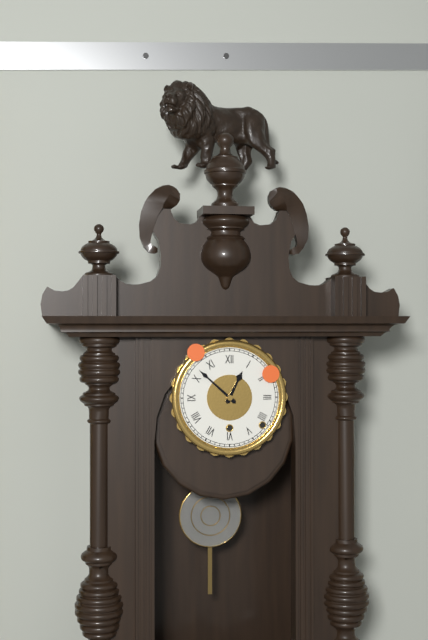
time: **12:52**
